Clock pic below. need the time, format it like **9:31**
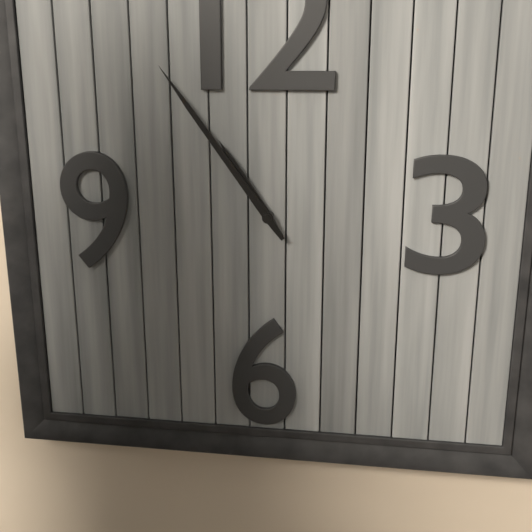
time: **10:54**
